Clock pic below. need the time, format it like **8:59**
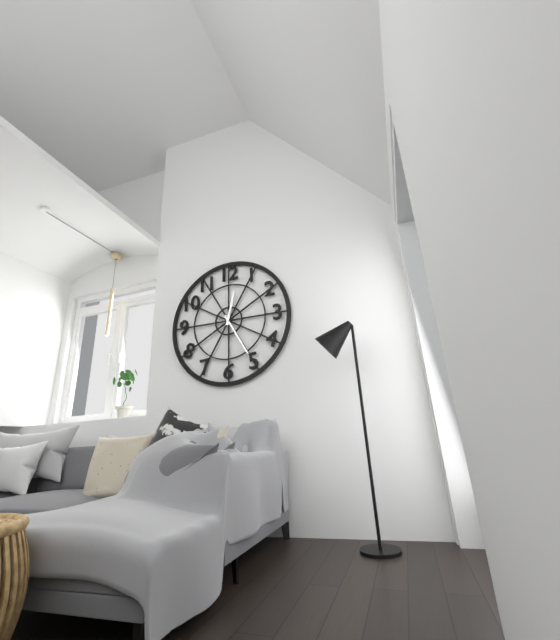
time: **12:25**
